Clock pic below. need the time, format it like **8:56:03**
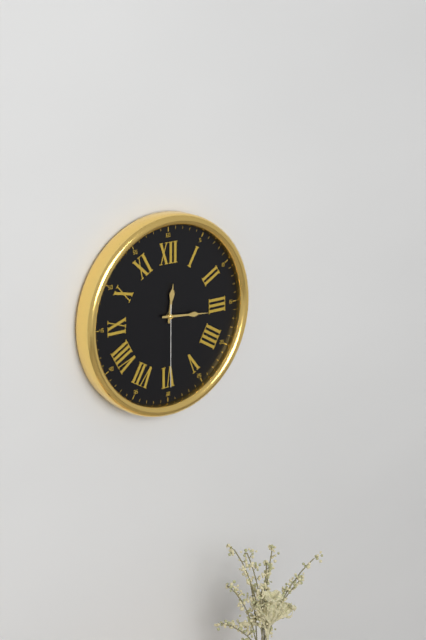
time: **12:16:30**
